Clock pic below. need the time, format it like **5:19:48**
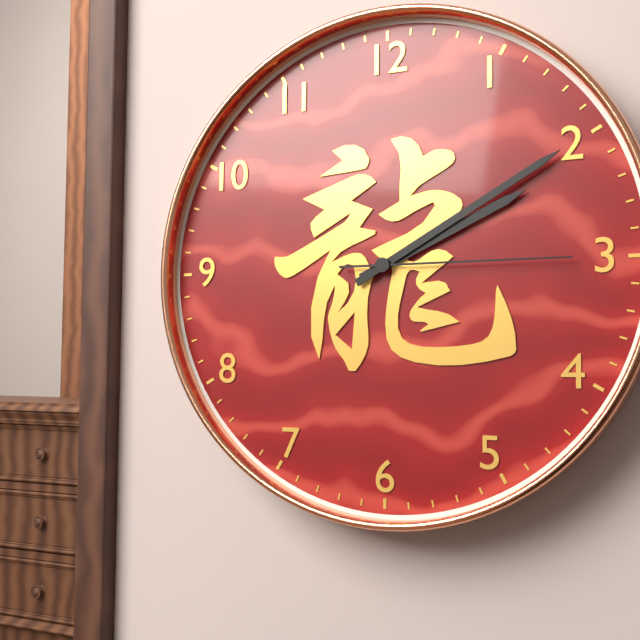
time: **2:10:15**
